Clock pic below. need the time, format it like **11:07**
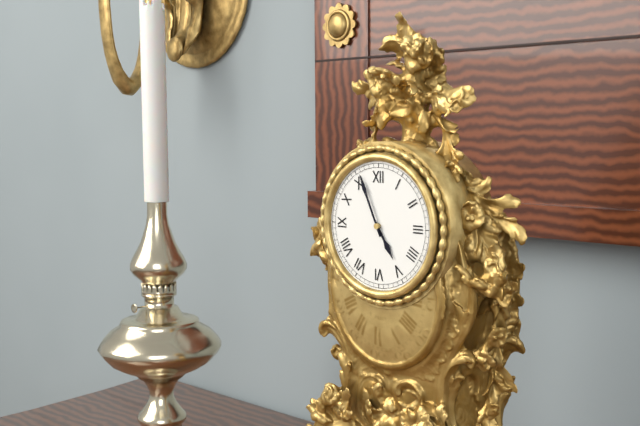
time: **4:56**
